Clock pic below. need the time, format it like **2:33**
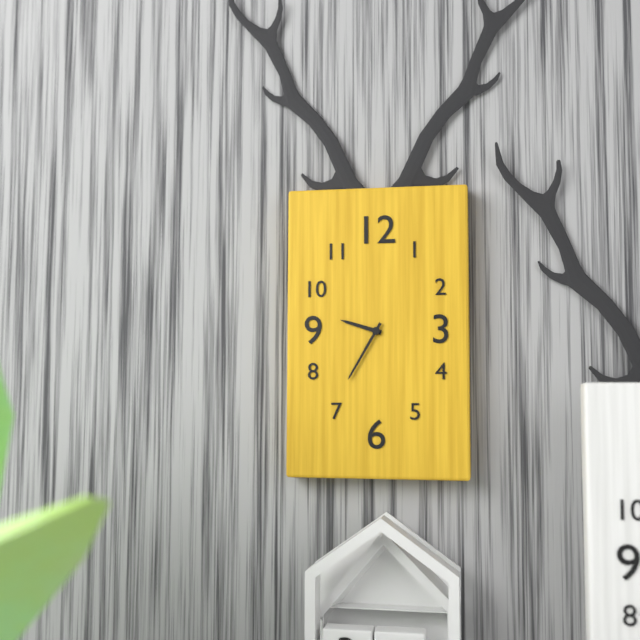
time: **9:35**
